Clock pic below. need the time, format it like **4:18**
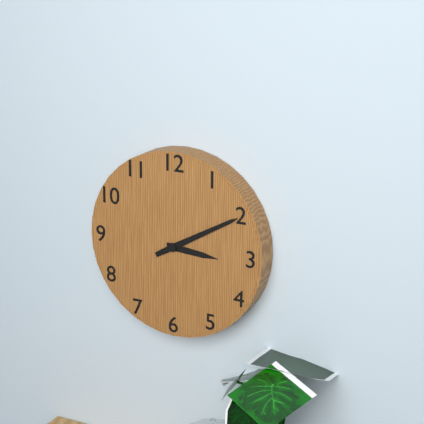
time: **3:10**
